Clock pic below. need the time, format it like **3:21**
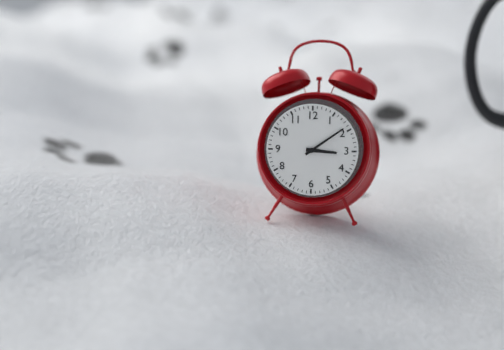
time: **3:09**
